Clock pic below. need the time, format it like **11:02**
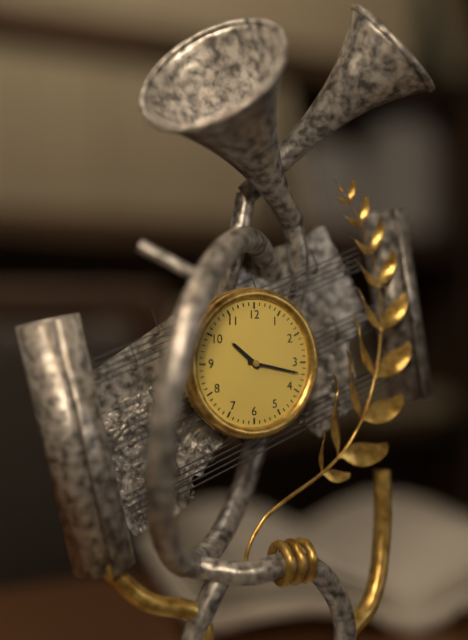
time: **10:17**
